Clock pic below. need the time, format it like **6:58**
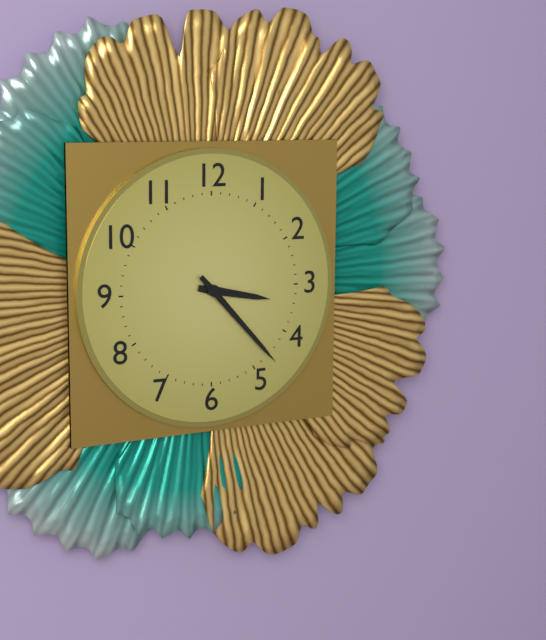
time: **3:23**
